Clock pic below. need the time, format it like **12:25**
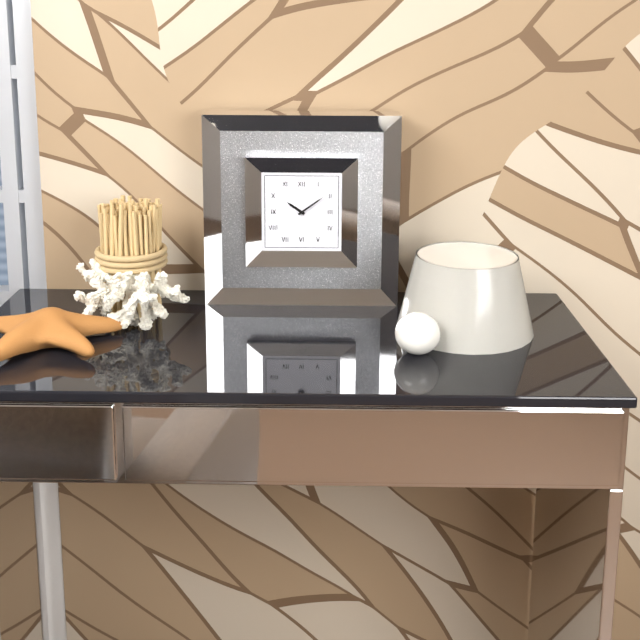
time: **10:09**
